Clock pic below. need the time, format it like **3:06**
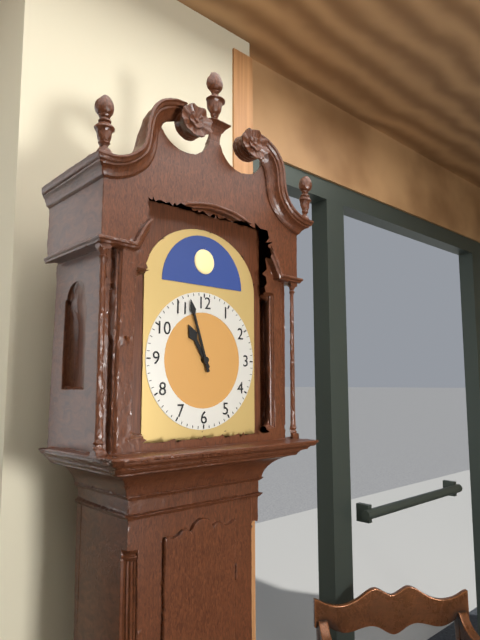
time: **10:57**
